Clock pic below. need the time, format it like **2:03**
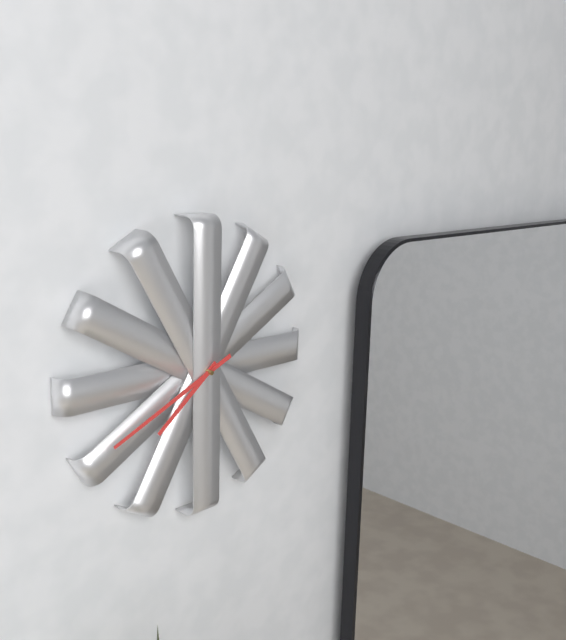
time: **7:41**
